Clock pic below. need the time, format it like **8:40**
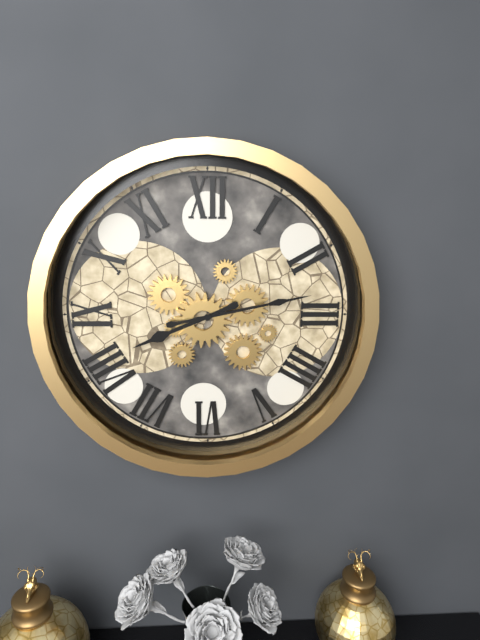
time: **8:13**
